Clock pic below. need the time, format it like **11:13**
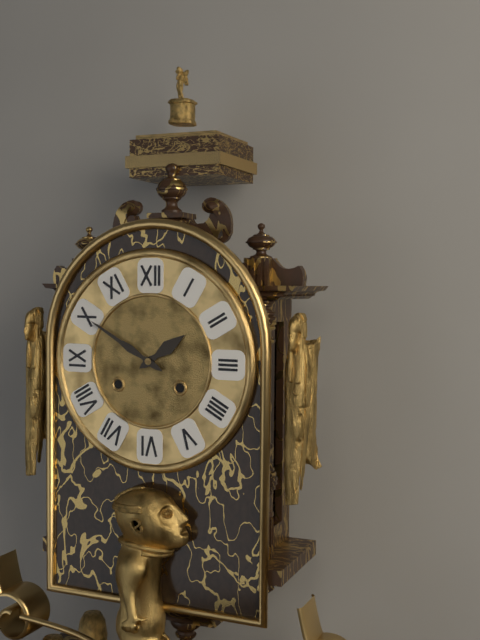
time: **1:50**
